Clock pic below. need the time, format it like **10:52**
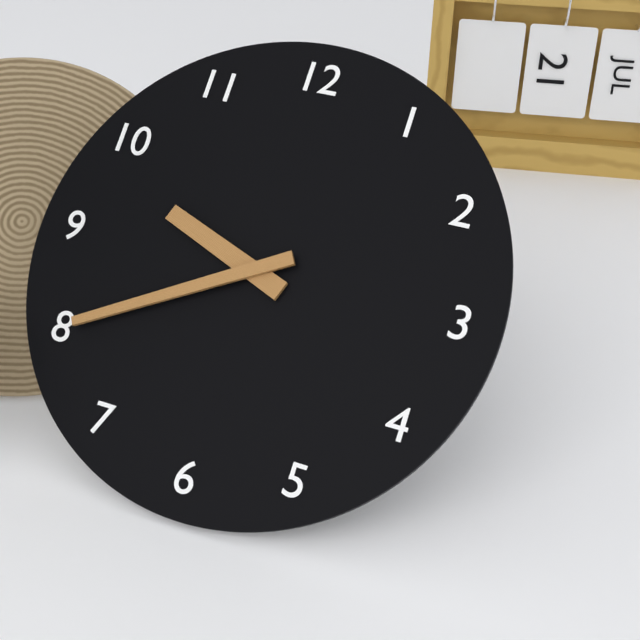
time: **9:40**
